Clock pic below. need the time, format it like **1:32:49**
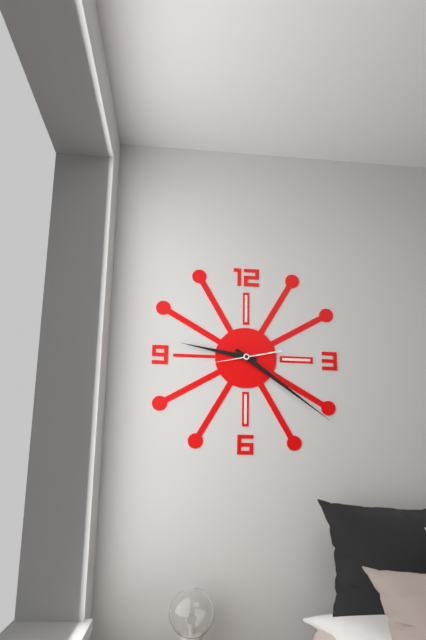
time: **9:21:43**
